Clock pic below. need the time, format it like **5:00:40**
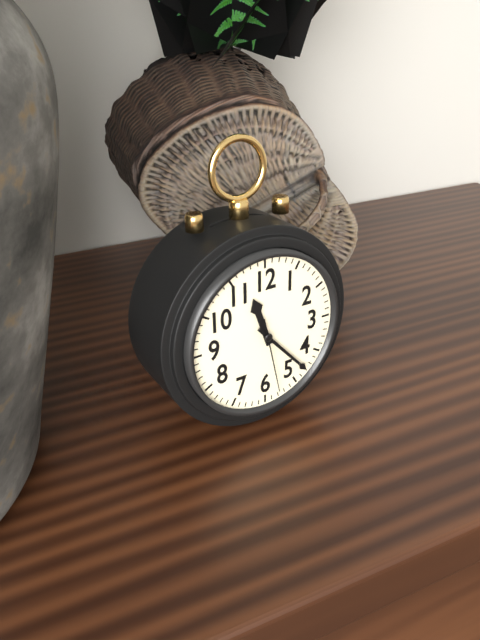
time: **11:23:28**
